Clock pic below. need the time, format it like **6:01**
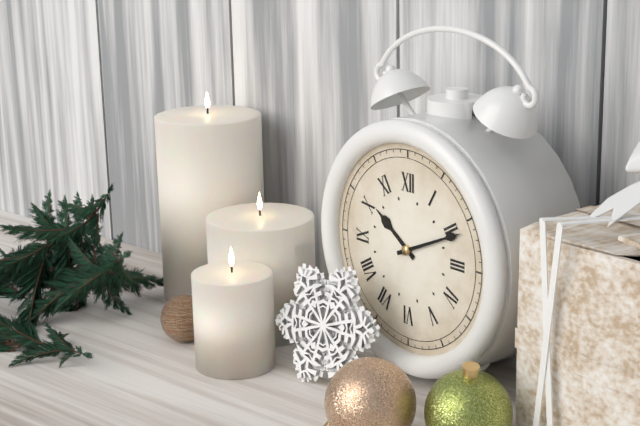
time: **10:11**
